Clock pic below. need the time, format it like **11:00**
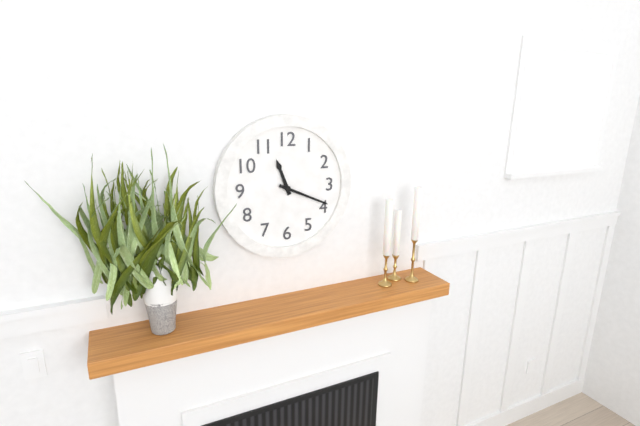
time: **11:19**
